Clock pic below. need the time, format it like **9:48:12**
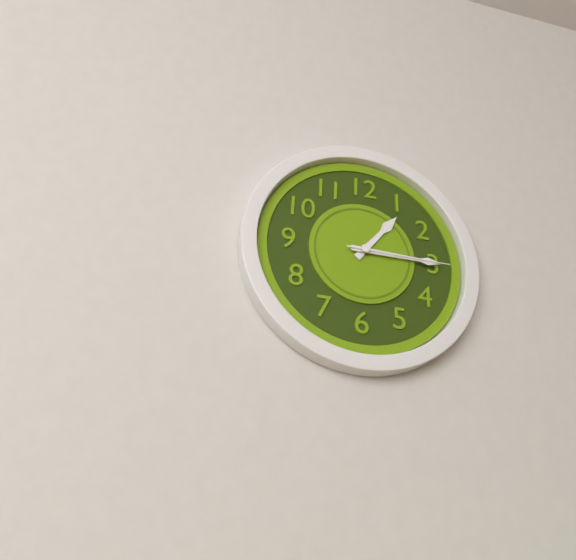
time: **1:15:15**
